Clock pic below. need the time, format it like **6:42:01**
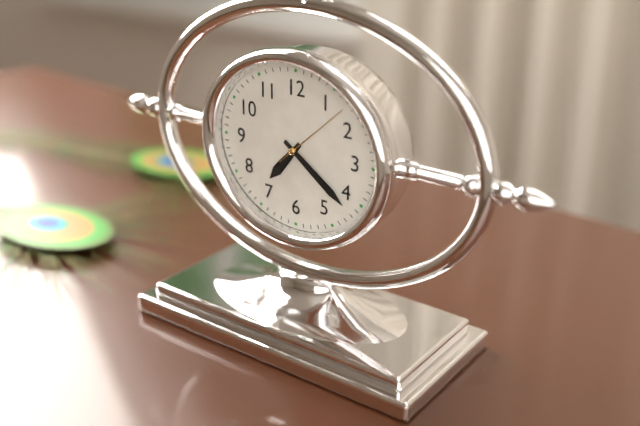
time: **7:21:08**
